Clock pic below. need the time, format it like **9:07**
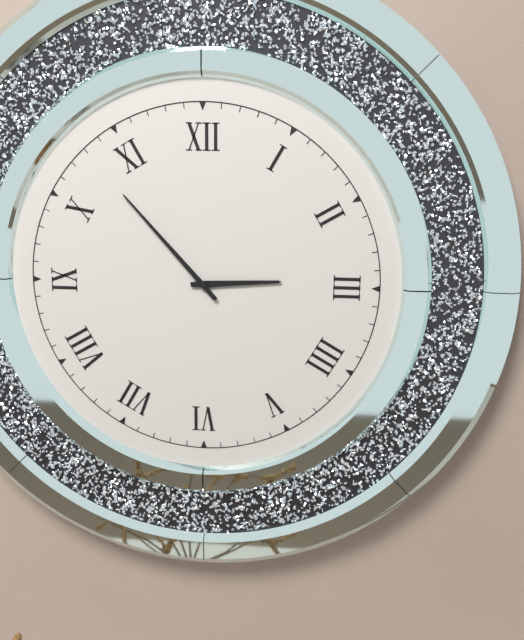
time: **2:53**
